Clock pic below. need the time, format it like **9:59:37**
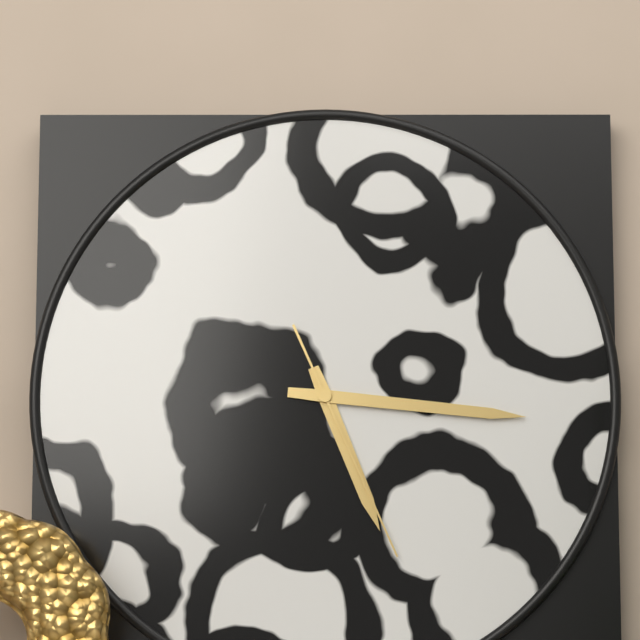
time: **5:16:26**
